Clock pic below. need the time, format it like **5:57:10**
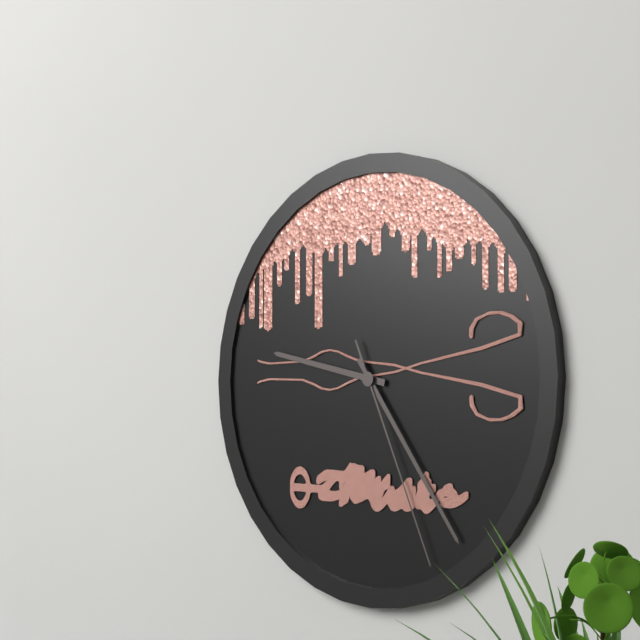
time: **9:24:26**
